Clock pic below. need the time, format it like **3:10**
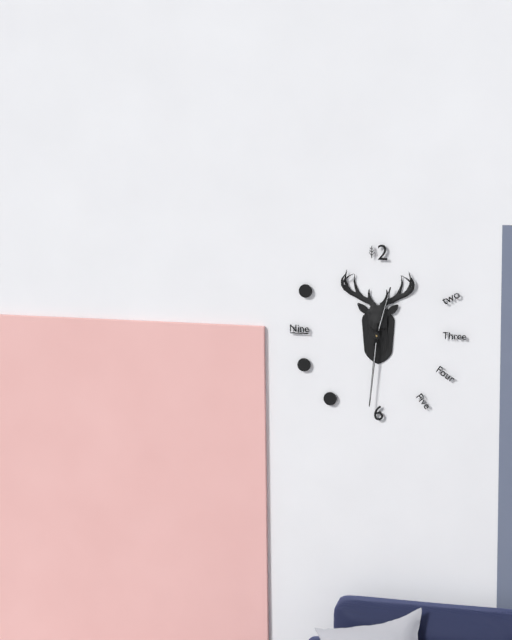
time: **12:31**
